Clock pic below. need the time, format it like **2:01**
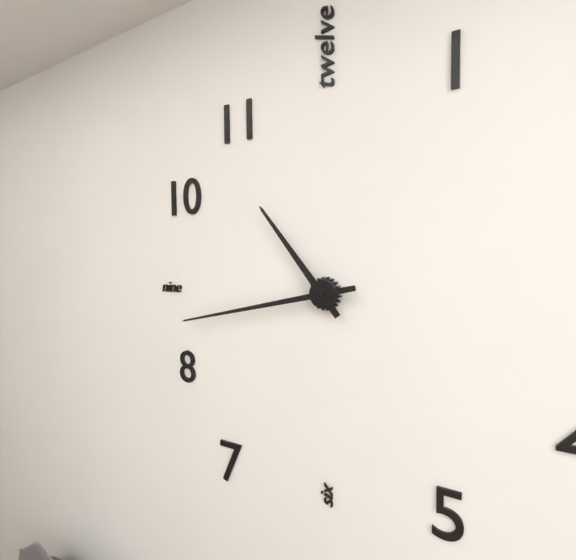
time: **10:43**
